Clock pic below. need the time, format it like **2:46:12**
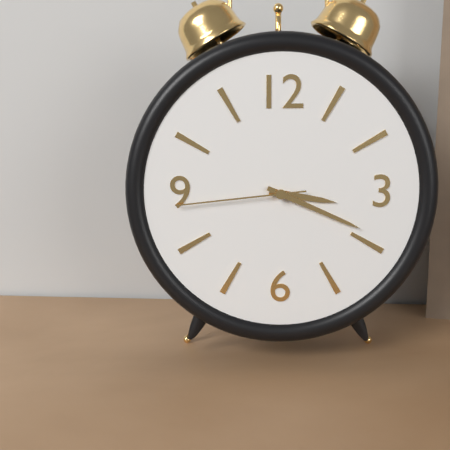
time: **3:19:44**
